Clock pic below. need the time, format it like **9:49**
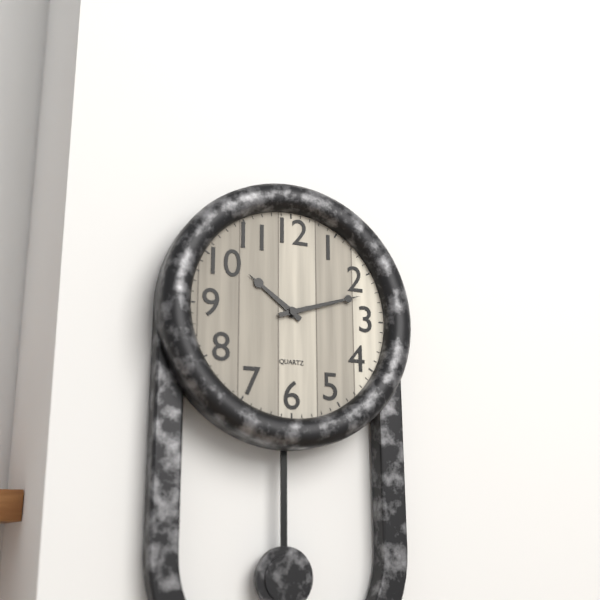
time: **10:12**
